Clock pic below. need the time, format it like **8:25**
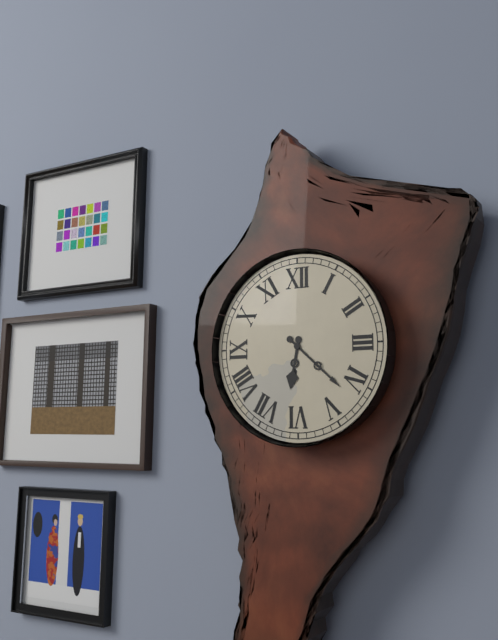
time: **6:22**
